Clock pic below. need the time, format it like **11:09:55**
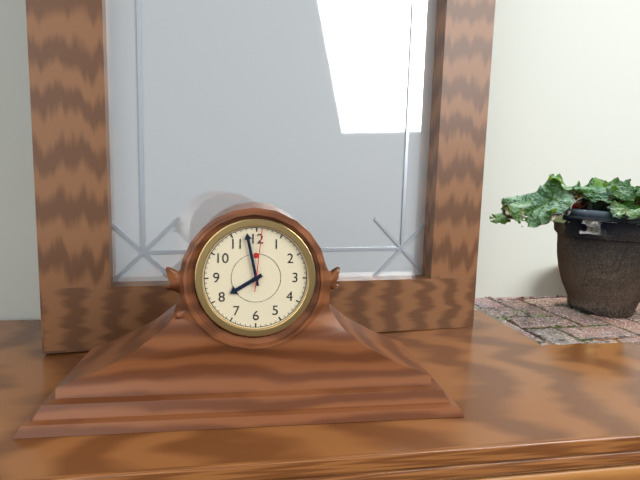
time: **7:58:01**
